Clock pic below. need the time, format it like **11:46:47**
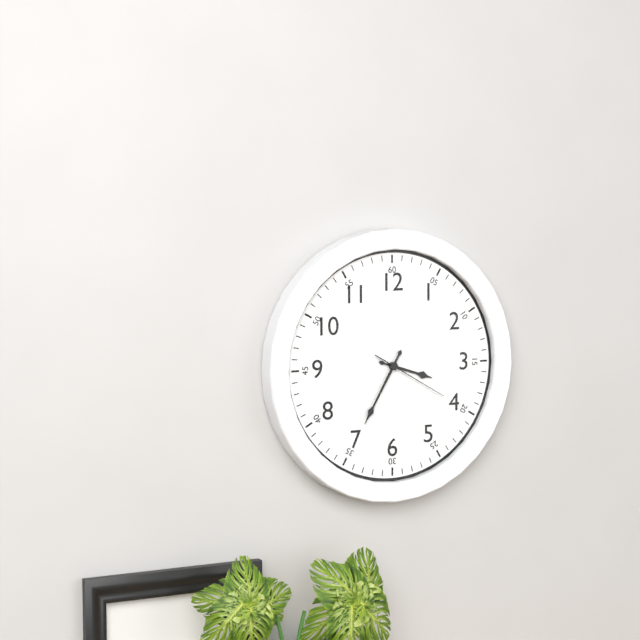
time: **3:35:20**
